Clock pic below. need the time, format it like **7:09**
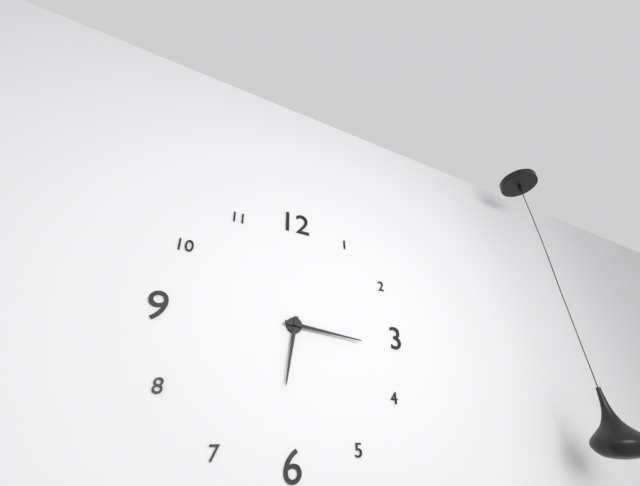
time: **6:16**
